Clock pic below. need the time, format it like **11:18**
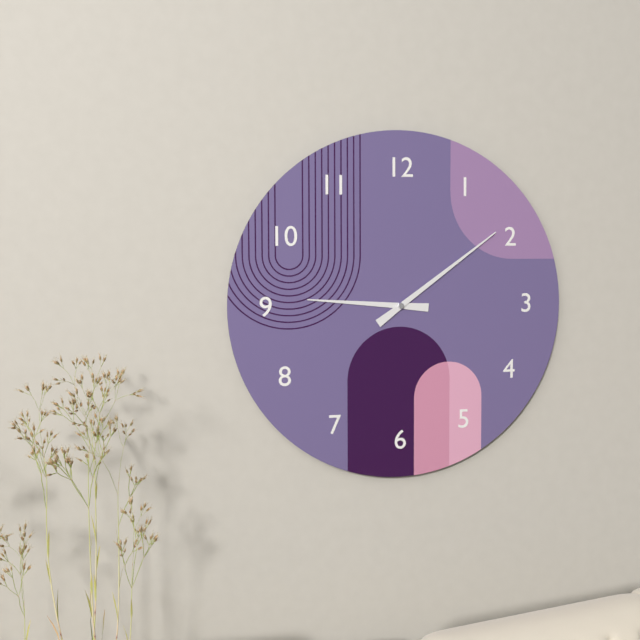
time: **9:09**
